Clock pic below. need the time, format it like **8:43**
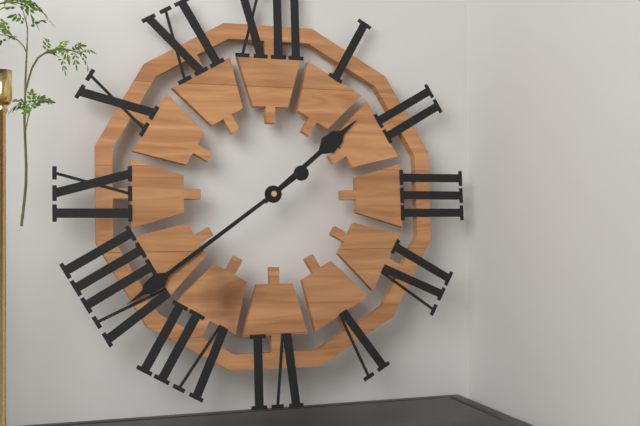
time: **1:39**
